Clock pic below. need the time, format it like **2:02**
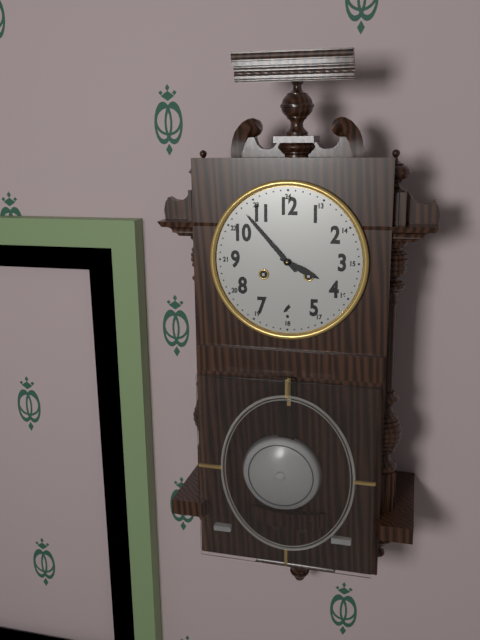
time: **3:53**
